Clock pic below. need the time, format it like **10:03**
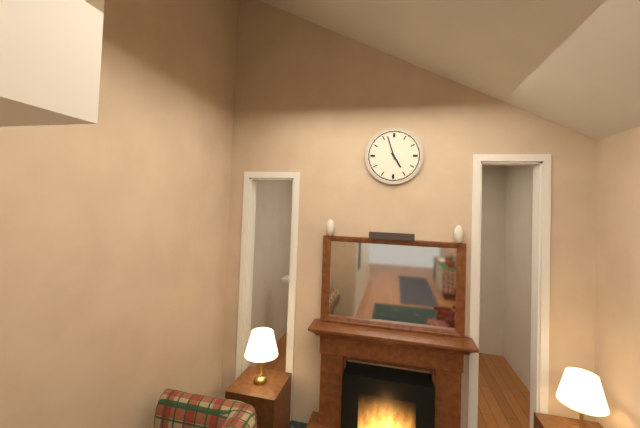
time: **4:57**
